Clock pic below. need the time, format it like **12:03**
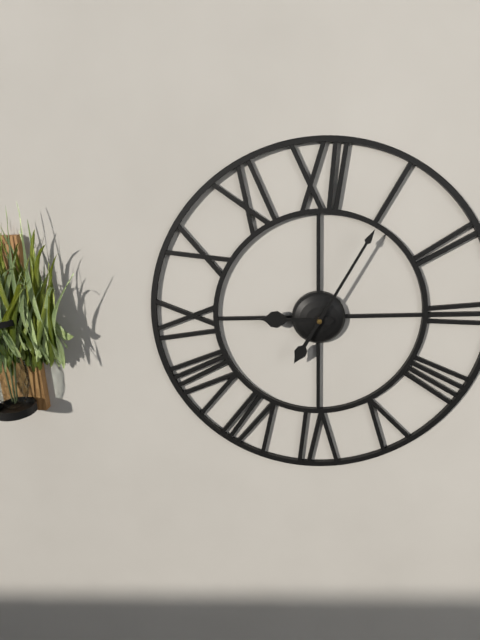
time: **9:05**
